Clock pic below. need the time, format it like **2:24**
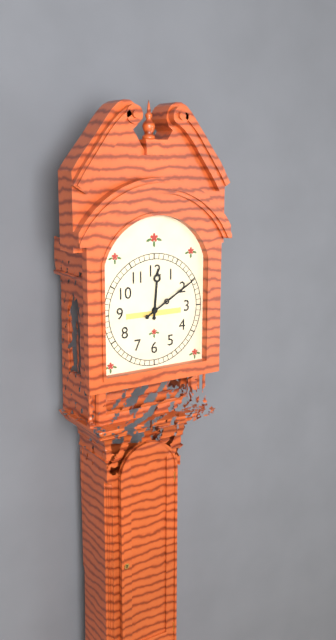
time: **12:10**
